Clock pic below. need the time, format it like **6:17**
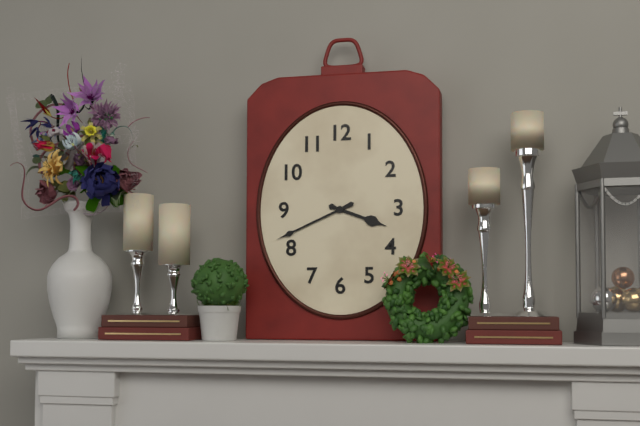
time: **3:41**
